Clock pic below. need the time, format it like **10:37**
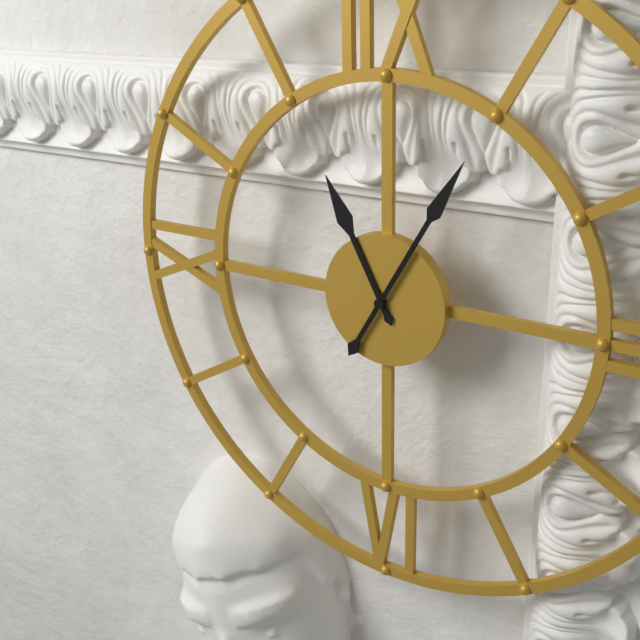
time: **11:05**
